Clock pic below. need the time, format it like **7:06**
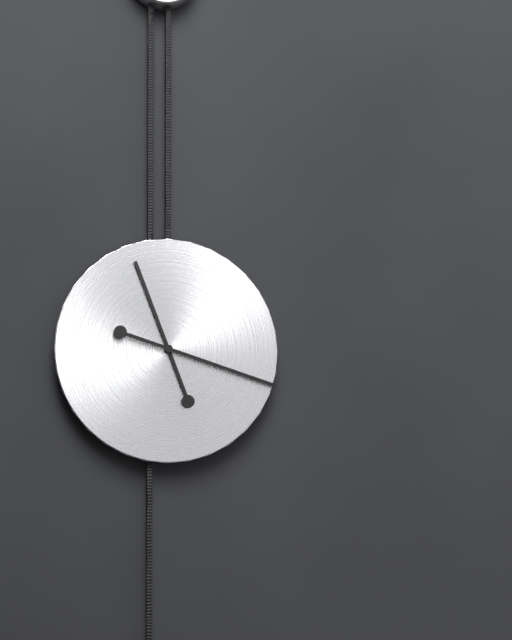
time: **11:18**
